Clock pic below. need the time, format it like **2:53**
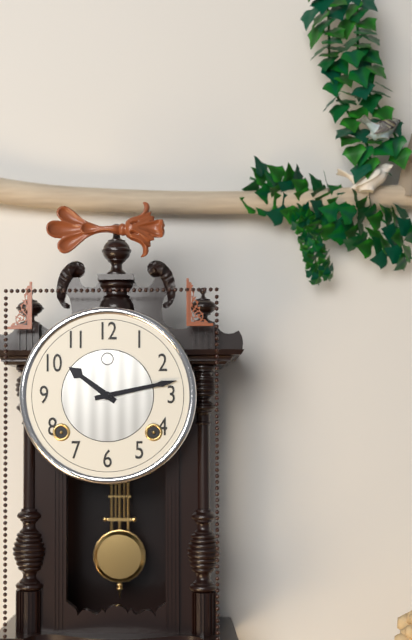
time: **10:13**
